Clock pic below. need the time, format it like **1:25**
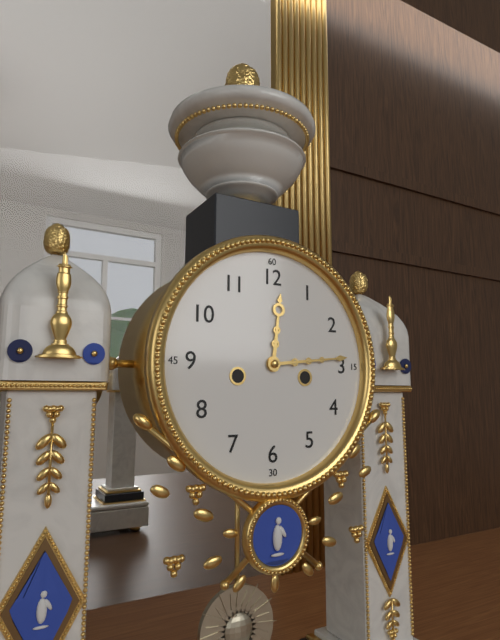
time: **12:14**
